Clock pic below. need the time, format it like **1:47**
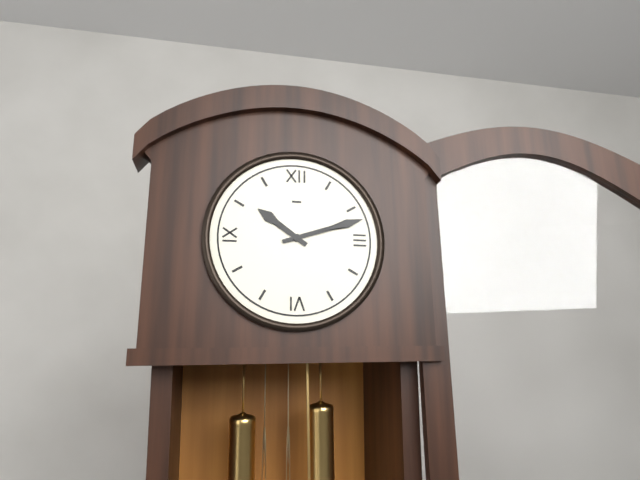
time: **10:12**
